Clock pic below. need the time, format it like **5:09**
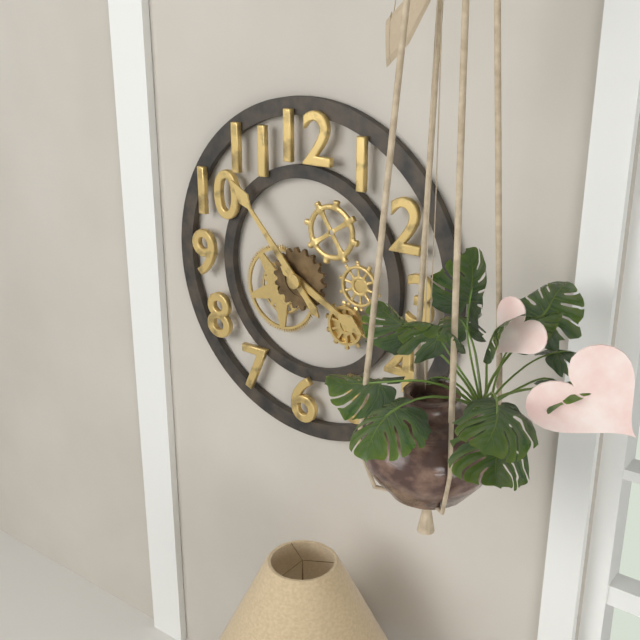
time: **3:53**
